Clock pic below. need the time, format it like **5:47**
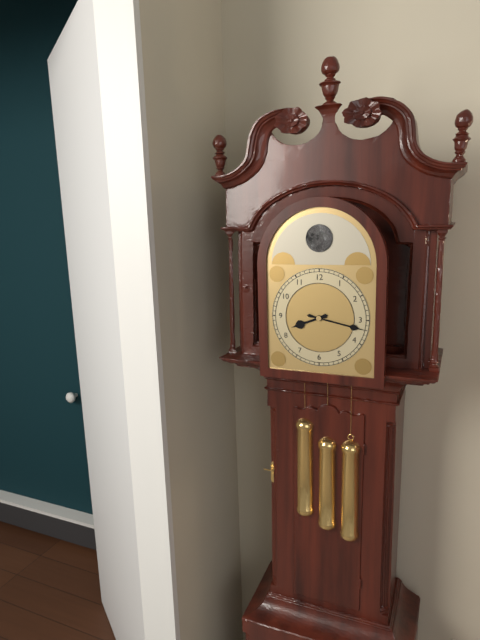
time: **8:17**
